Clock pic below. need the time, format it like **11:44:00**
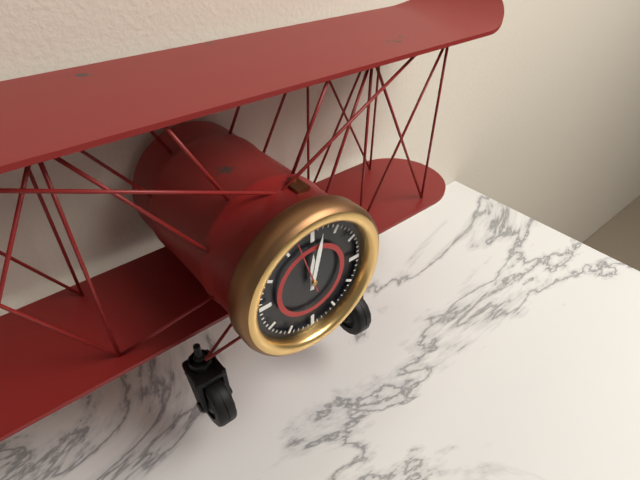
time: **12:02:57**
